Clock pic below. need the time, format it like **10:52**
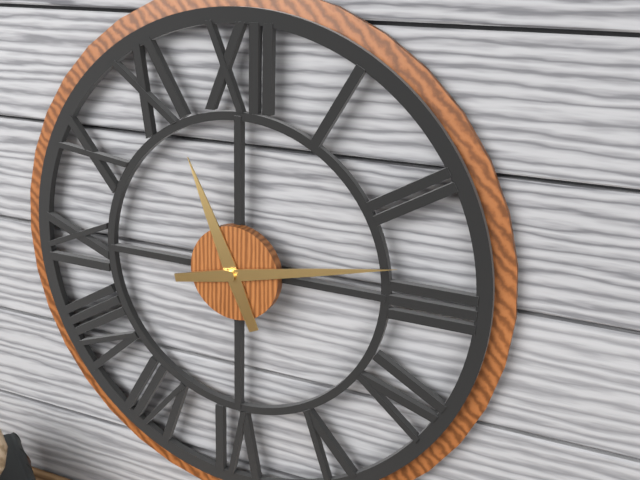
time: **11:13**
